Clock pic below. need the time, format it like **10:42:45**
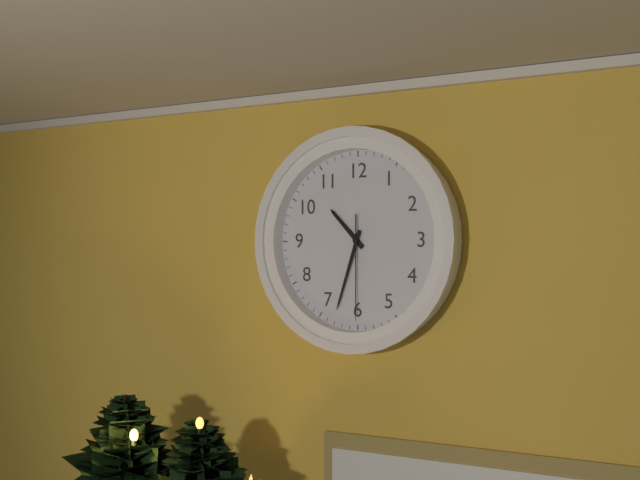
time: **10:33:30**
